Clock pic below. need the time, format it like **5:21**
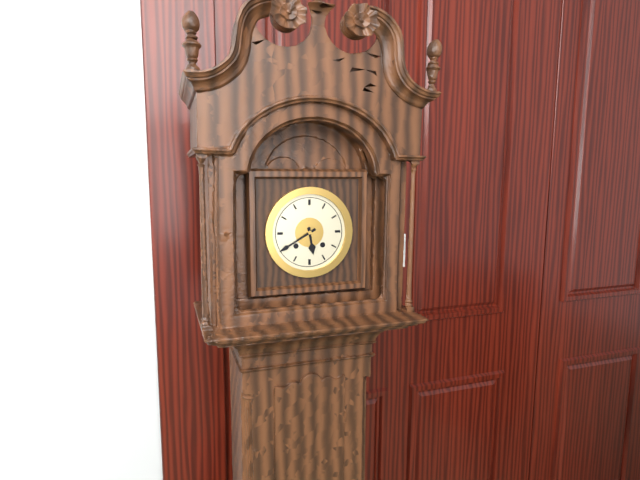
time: **5:40**
